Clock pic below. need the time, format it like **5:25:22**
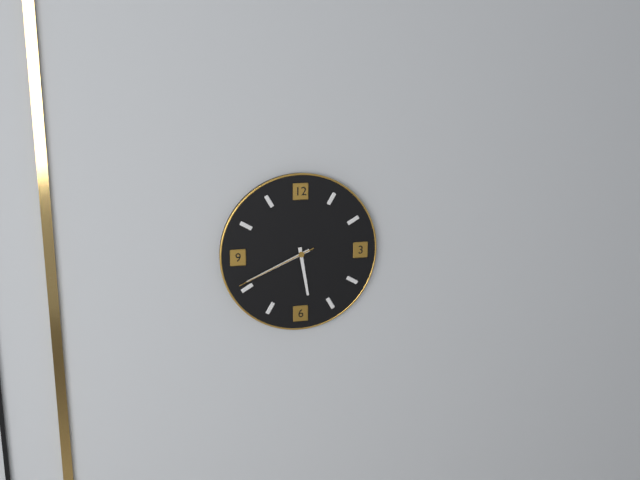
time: **5:41:41**
